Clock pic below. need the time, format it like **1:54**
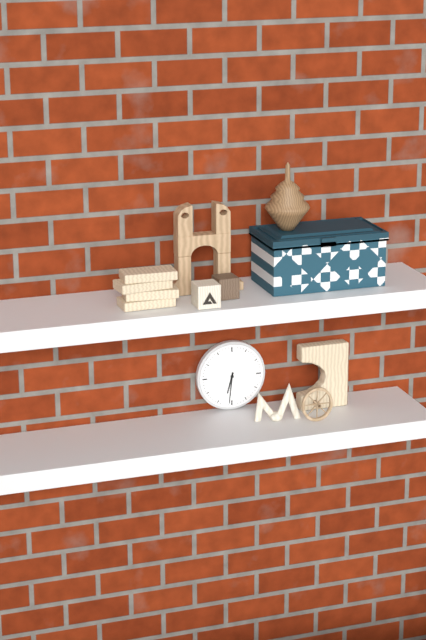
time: **6:31**
